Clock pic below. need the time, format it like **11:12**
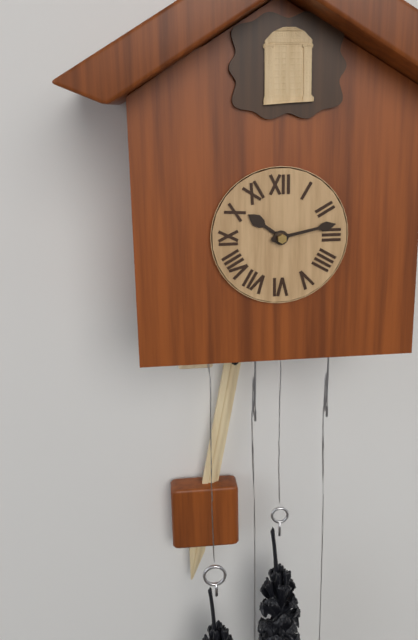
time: **10:13**
